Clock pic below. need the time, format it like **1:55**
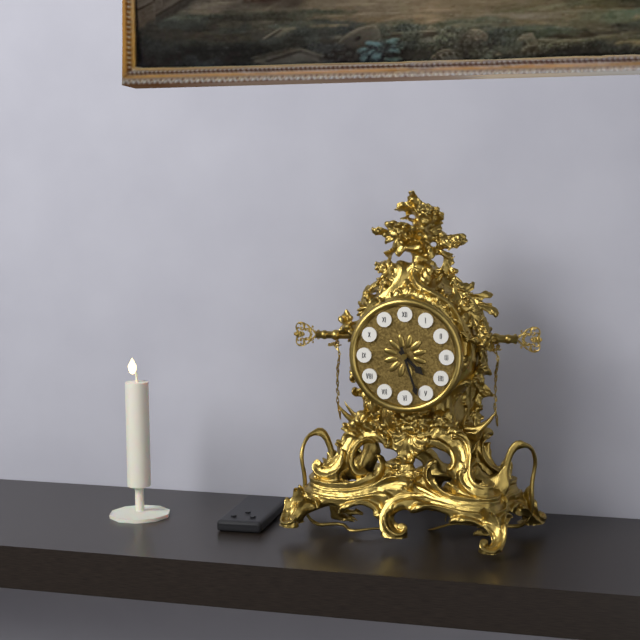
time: **4:27**
